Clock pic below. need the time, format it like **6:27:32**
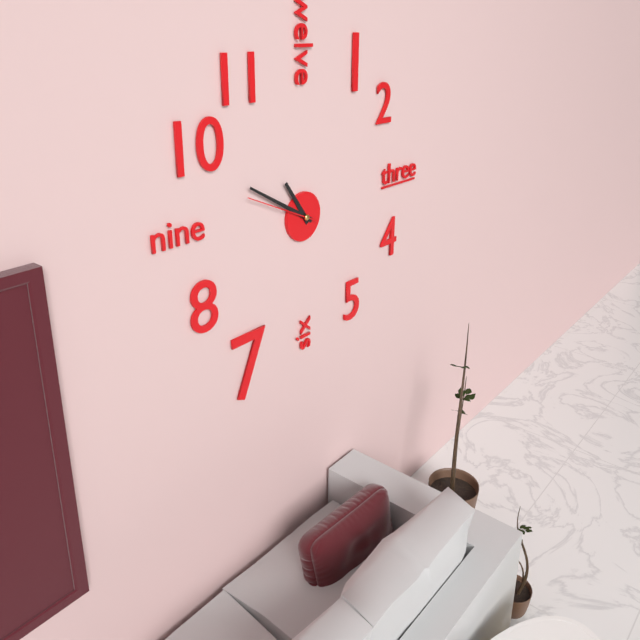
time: **10:50:49**
